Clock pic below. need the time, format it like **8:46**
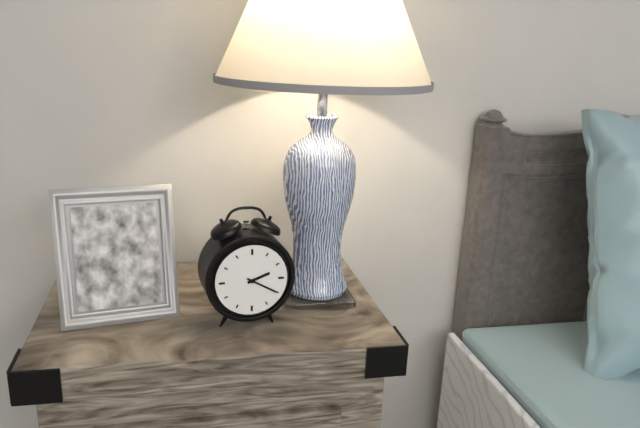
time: **2:20**
